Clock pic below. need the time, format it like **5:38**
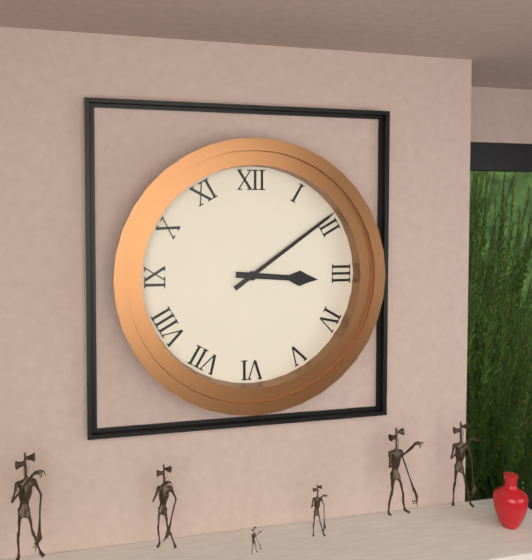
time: **3:09**
